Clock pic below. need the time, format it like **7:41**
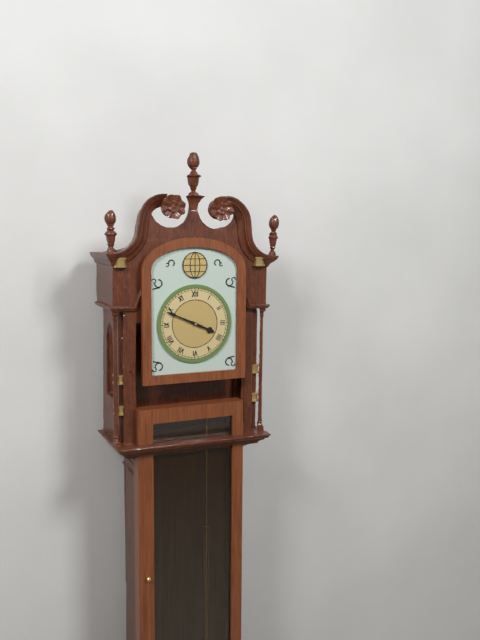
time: **3:49**
